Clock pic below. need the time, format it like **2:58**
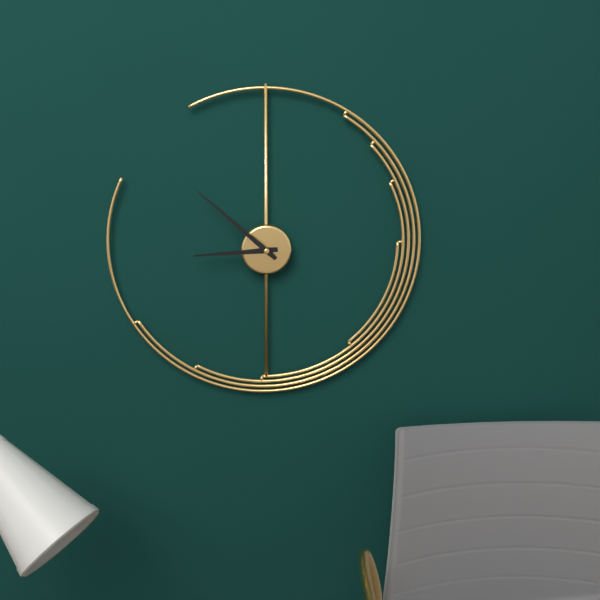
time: **8:52**
